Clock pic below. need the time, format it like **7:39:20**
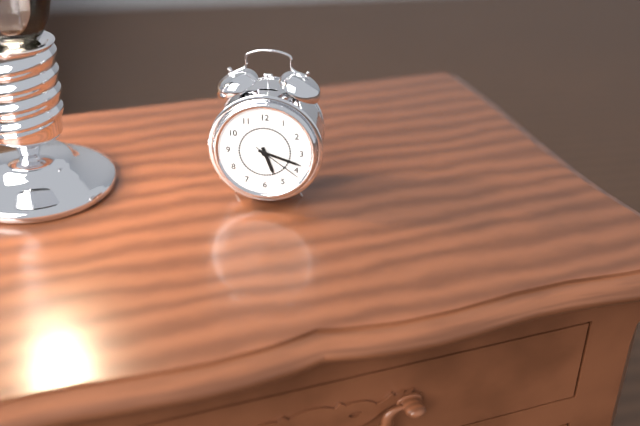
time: **5:18:21**
